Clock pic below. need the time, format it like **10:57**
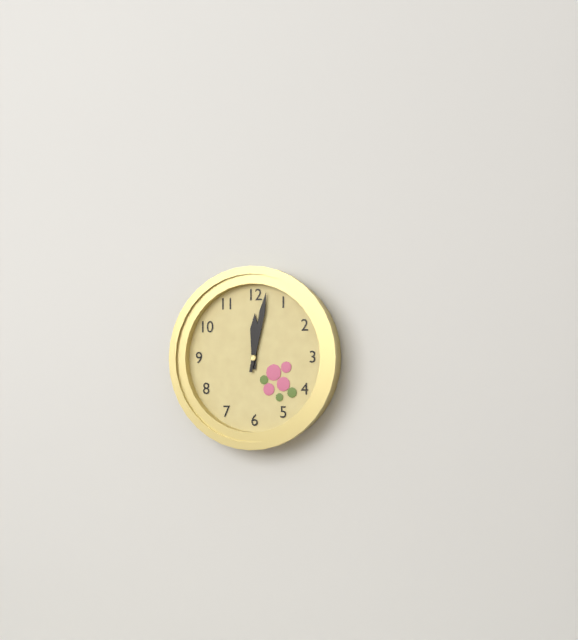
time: **12:02**
